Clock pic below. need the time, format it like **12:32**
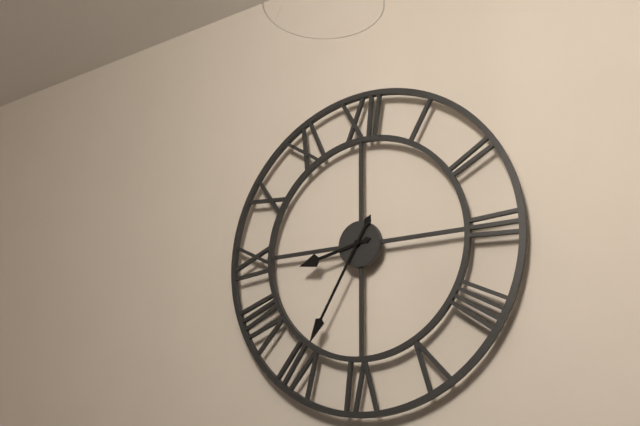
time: **8:35**
